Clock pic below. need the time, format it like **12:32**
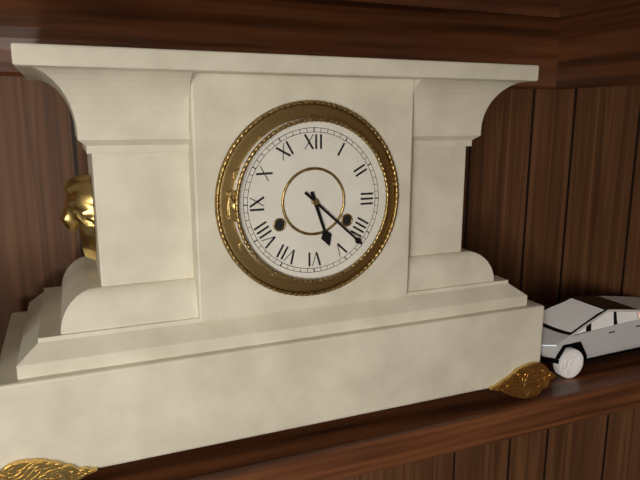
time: **5:22**
